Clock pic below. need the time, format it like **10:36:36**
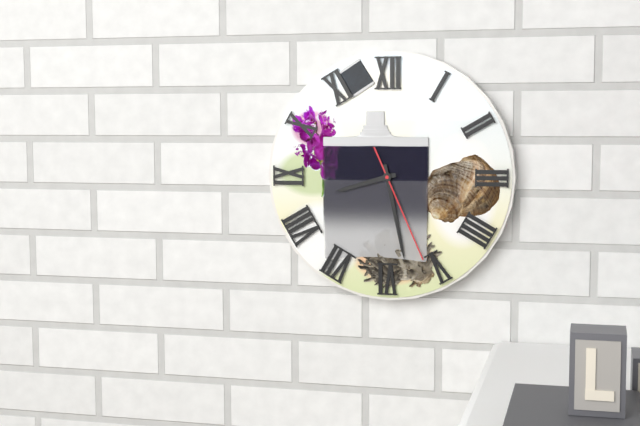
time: **8:28:26**
